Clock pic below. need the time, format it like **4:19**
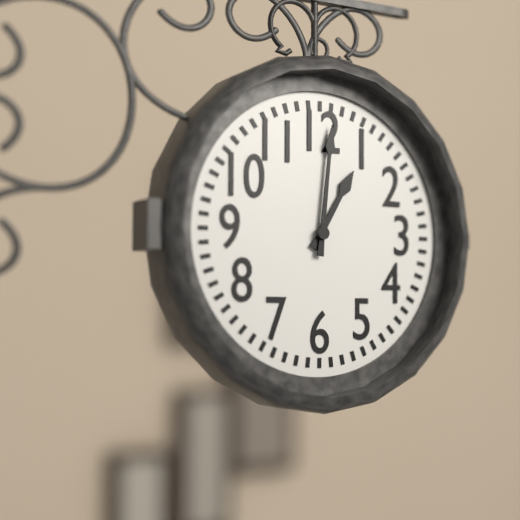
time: **1:01**
